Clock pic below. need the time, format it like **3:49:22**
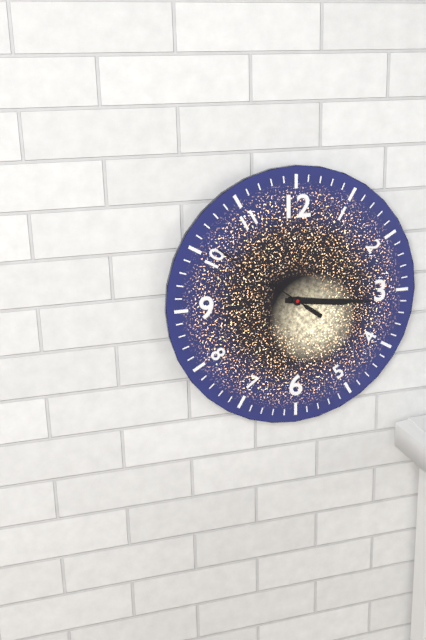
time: **3:16:51**
